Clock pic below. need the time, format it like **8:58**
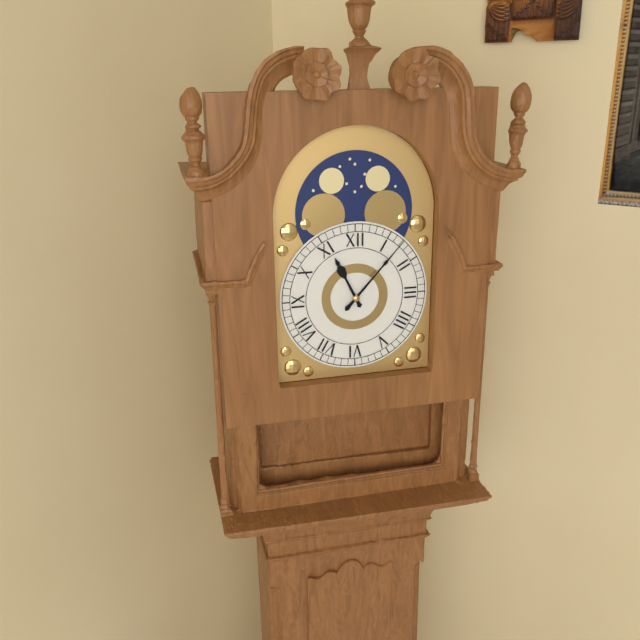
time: **11:07**
